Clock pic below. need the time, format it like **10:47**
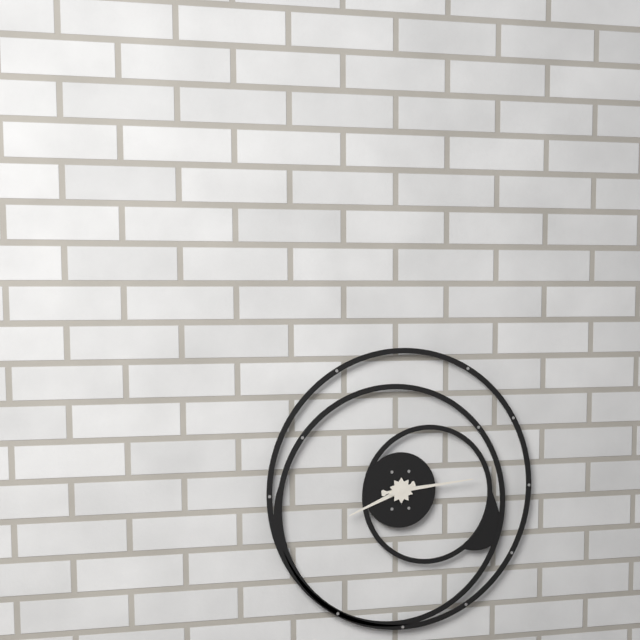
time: **8:14**
